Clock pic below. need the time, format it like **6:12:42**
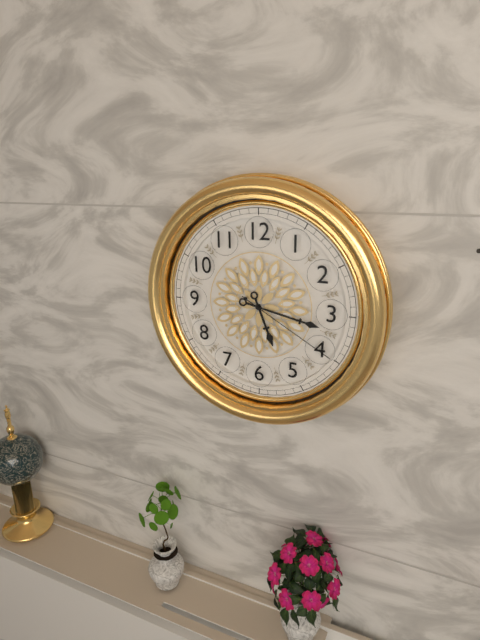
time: **5:17:20**
